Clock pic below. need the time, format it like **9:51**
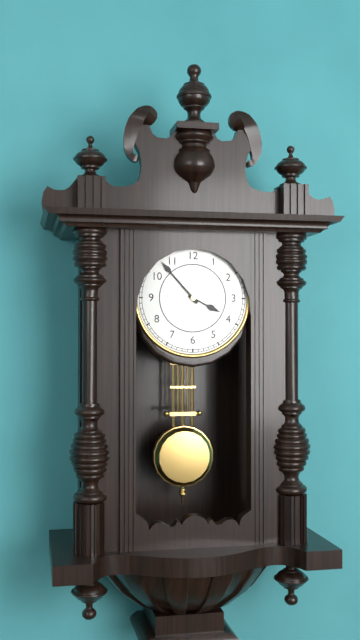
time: **3:53**
